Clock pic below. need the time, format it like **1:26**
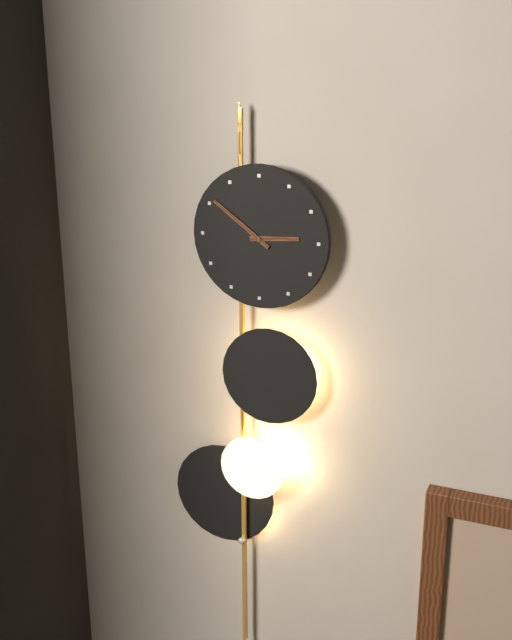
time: **2:51**
